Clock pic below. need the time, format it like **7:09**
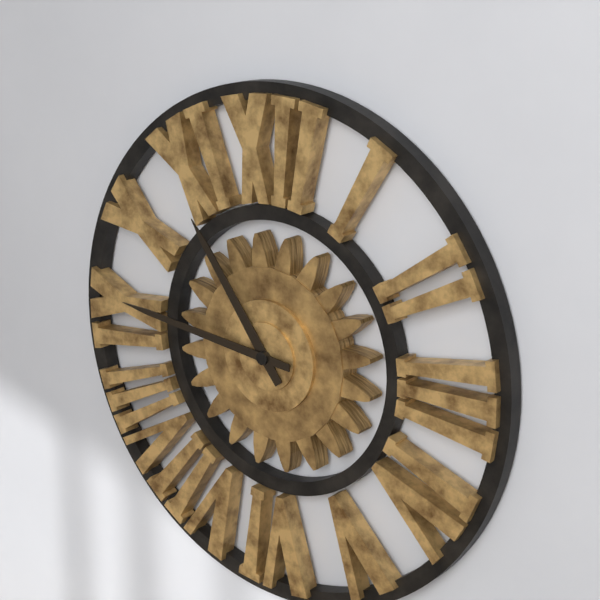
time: **10:46**
